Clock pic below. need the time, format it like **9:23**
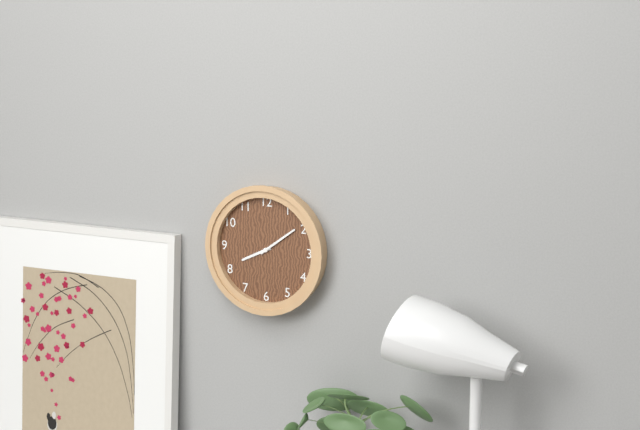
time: **8:09**
